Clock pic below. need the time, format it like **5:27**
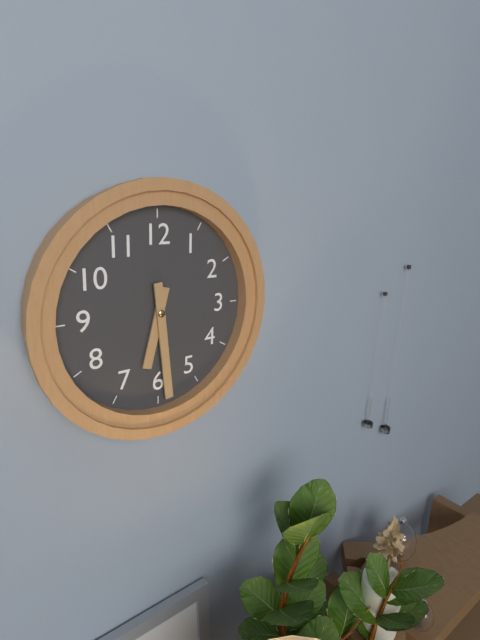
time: **6:29**
